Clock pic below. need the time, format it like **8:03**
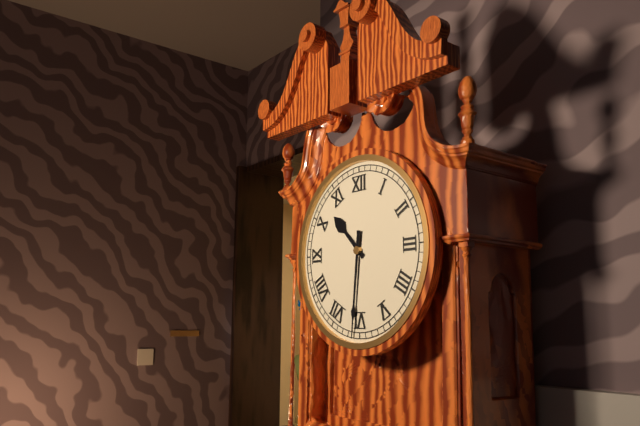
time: **10:31**
